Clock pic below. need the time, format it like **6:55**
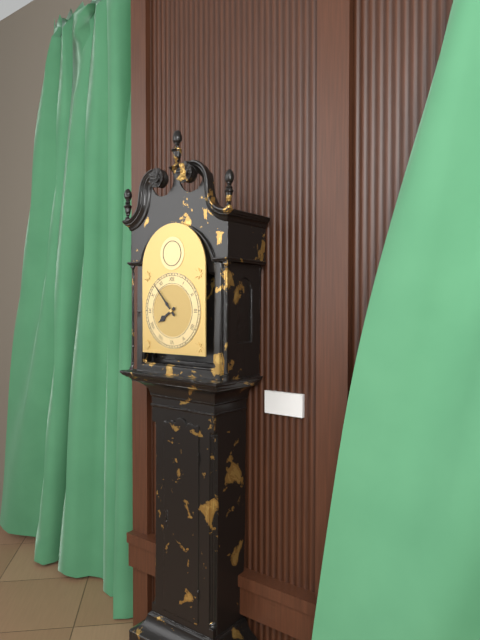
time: **7:53**
